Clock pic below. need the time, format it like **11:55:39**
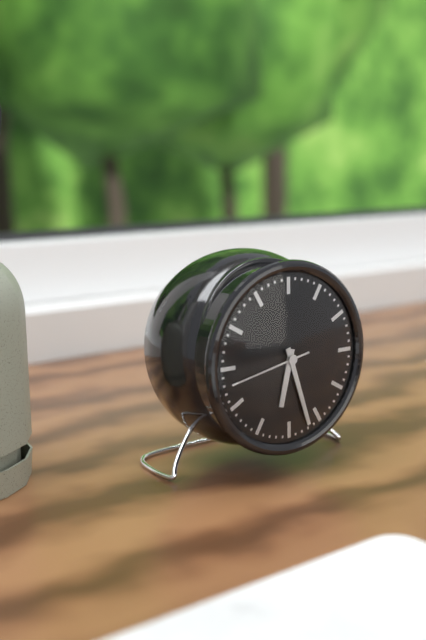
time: **6:27:43**
